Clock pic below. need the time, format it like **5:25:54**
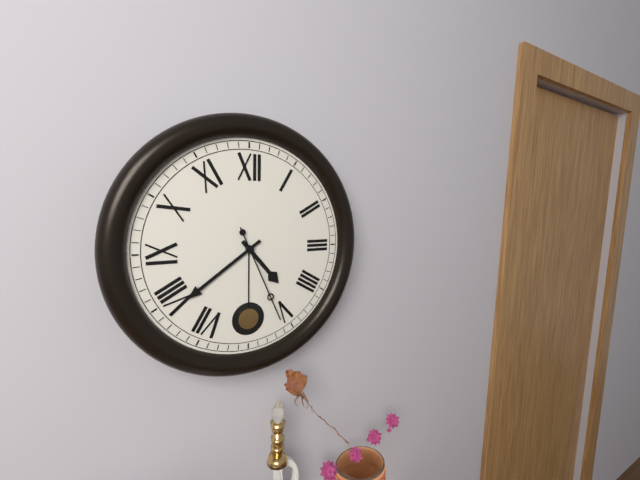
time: **4:39:26**
